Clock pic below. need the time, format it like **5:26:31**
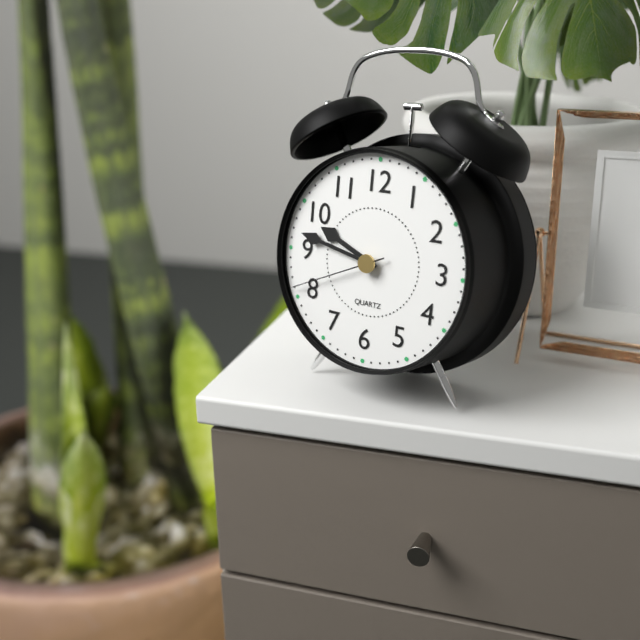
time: **9:47:41**
